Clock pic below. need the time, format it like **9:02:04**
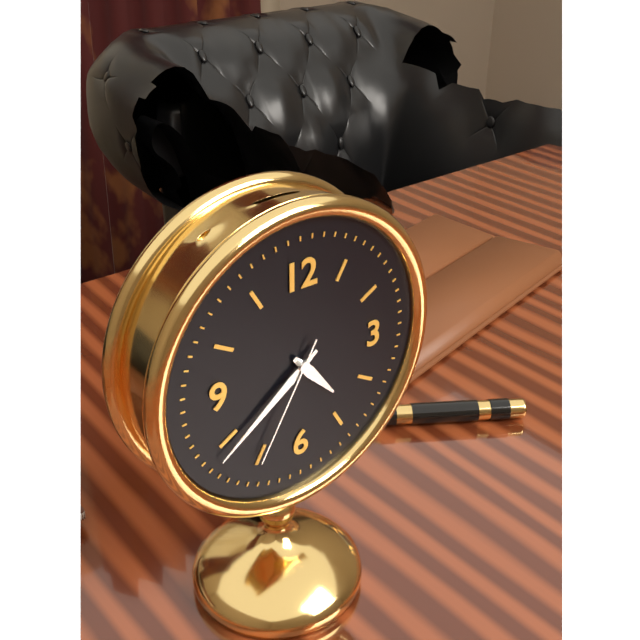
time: **4:39:35**
